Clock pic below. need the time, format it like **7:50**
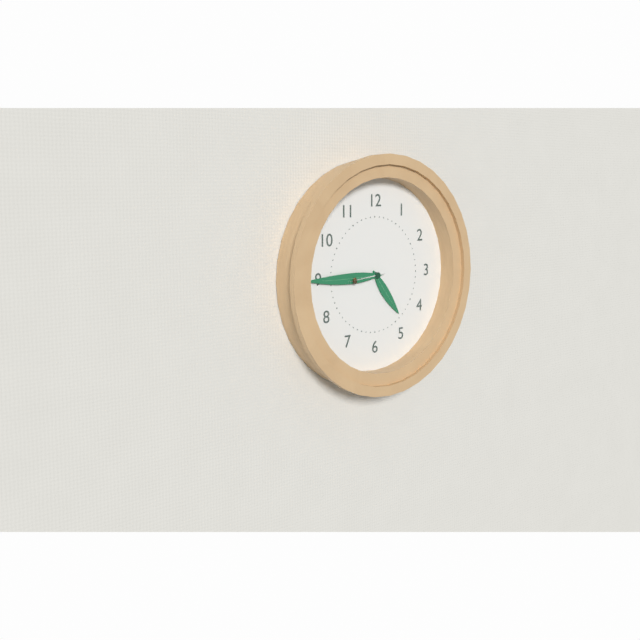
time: **4:45**
